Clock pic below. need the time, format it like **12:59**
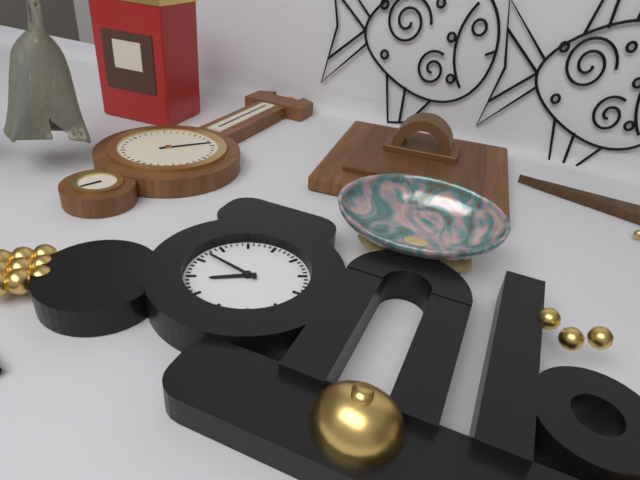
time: **7:47**
